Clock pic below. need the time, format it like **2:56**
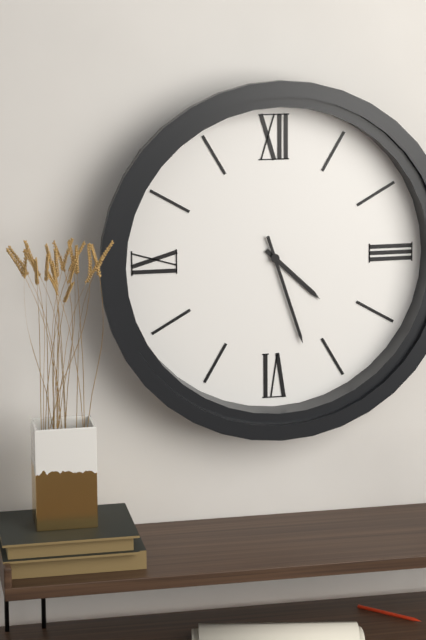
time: **4:27**
